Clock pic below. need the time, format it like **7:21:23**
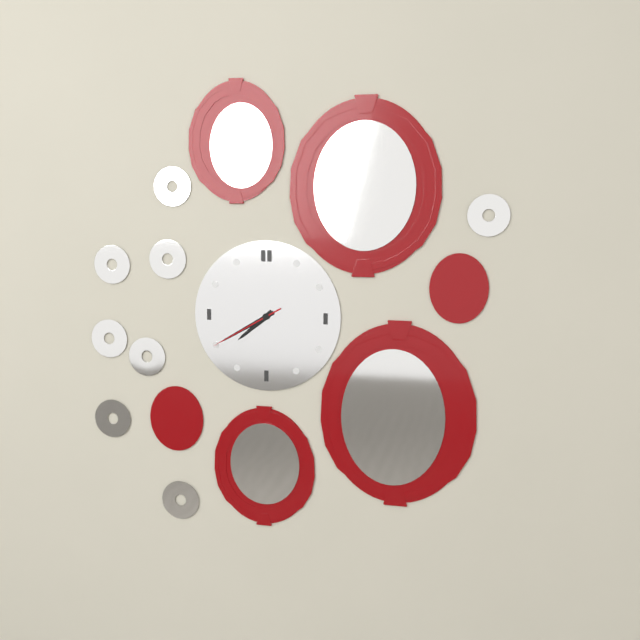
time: **7:40:40**
